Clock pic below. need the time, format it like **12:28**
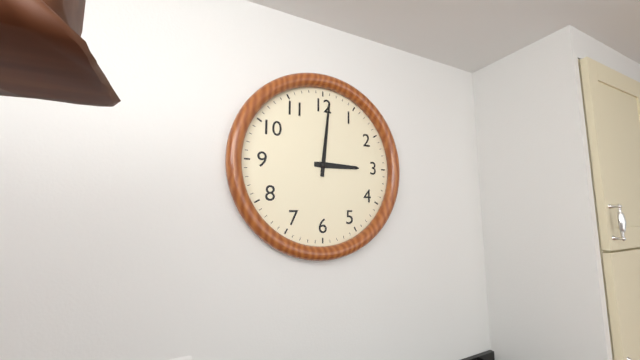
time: **3:01**
